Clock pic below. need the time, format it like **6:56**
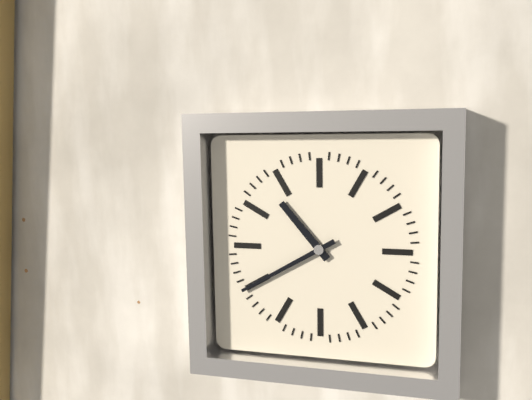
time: **10:40**
